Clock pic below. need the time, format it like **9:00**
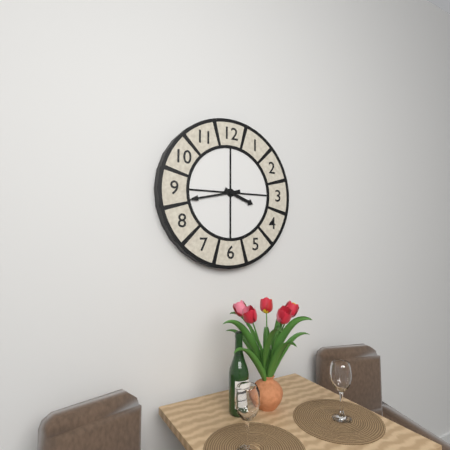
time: **3:43**
